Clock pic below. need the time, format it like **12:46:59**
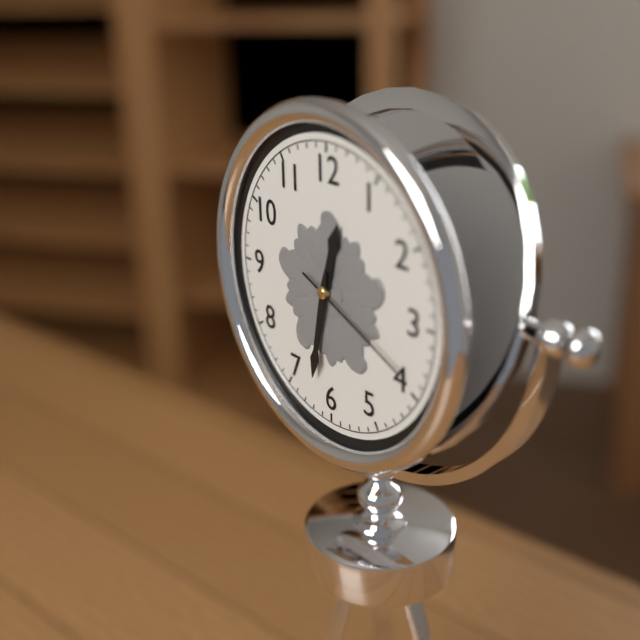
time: **12:32:19**
